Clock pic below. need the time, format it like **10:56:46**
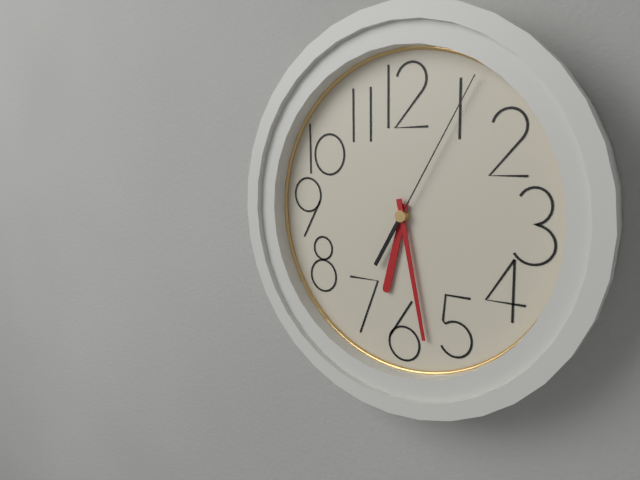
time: **6:28:05**
